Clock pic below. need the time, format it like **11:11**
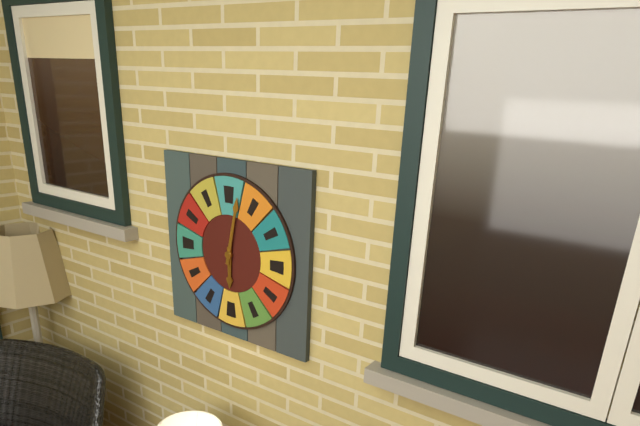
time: **6:02**
